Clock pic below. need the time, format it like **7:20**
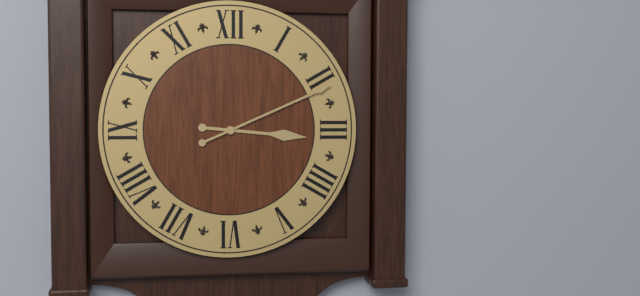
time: **3:11**
